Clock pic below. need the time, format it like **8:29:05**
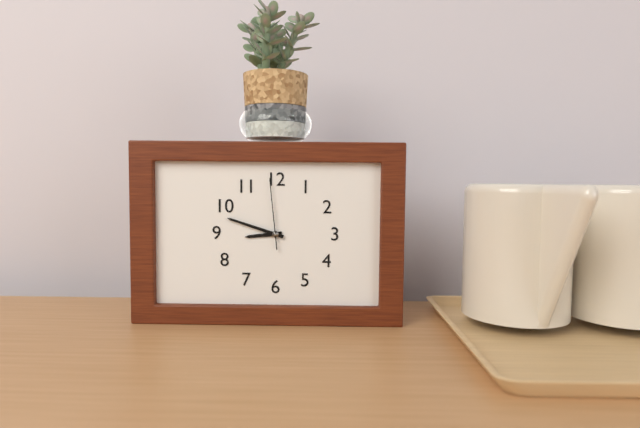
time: **8:48:59**
